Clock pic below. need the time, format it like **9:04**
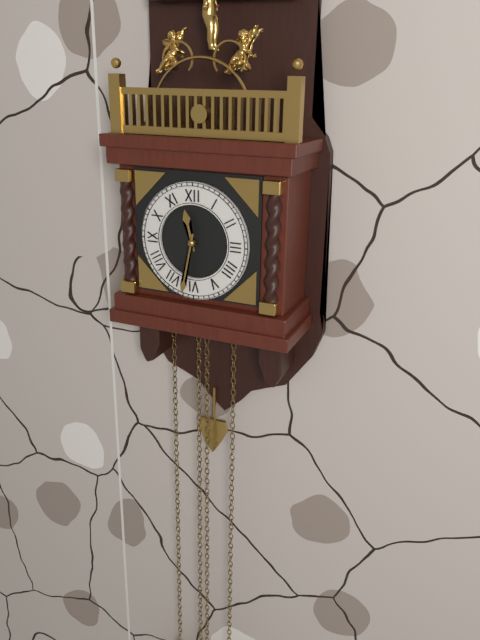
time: **11:32**
